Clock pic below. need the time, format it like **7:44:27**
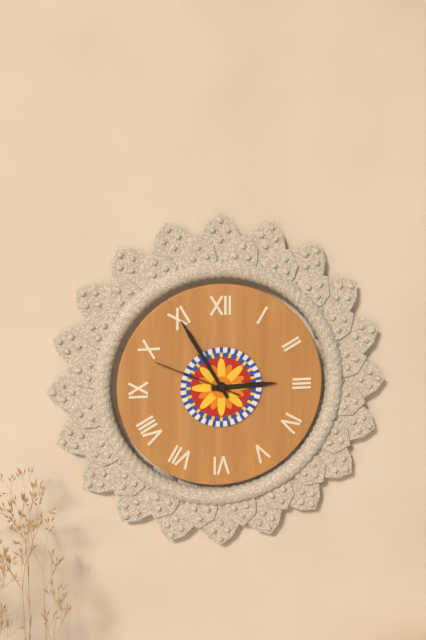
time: **2:55:49**
